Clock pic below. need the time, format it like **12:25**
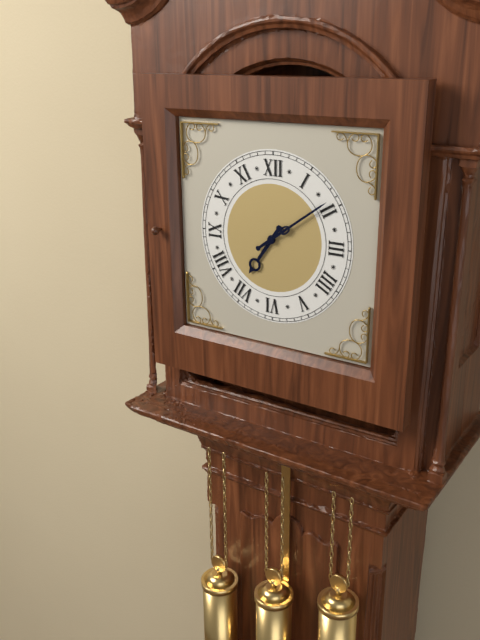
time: **7:09**
